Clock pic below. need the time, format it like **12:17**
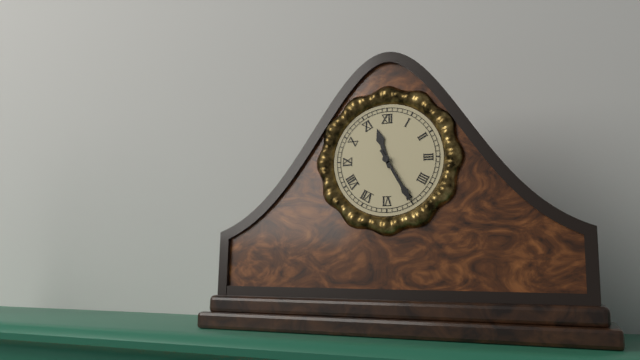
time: **11:25**
